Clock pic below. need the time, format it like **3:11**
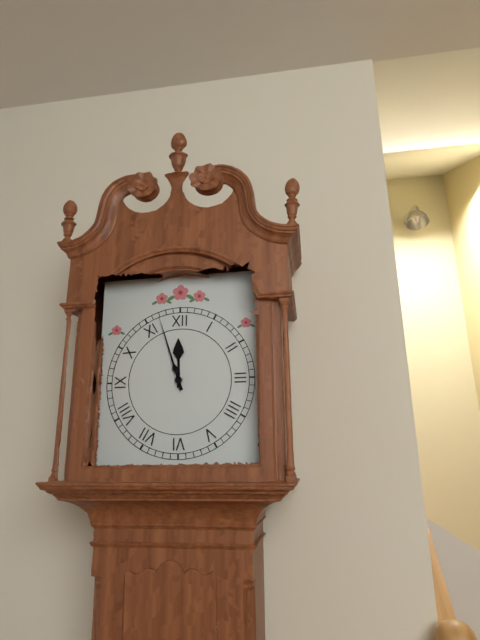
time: **11:57**
